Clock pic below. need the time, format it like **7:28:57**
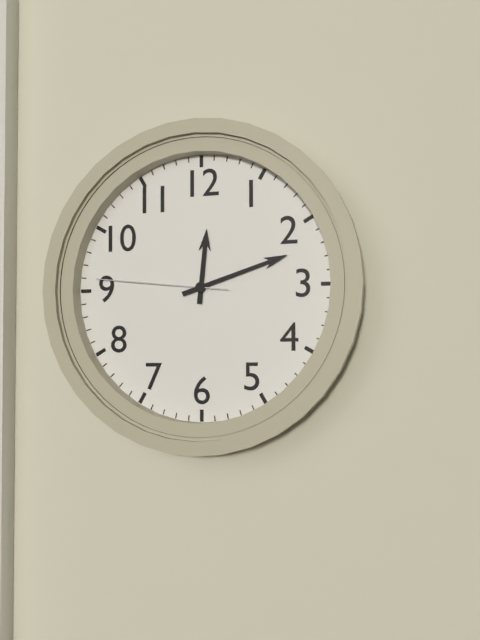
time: **12:12:46**
